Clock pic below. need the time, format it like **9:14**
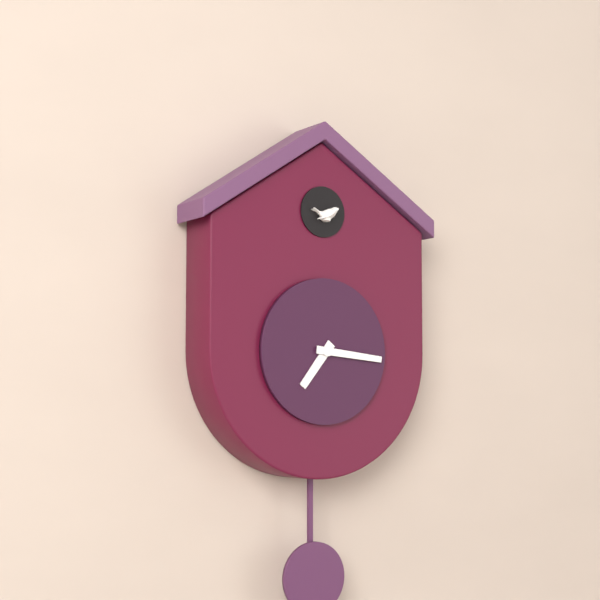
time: **7:16**
